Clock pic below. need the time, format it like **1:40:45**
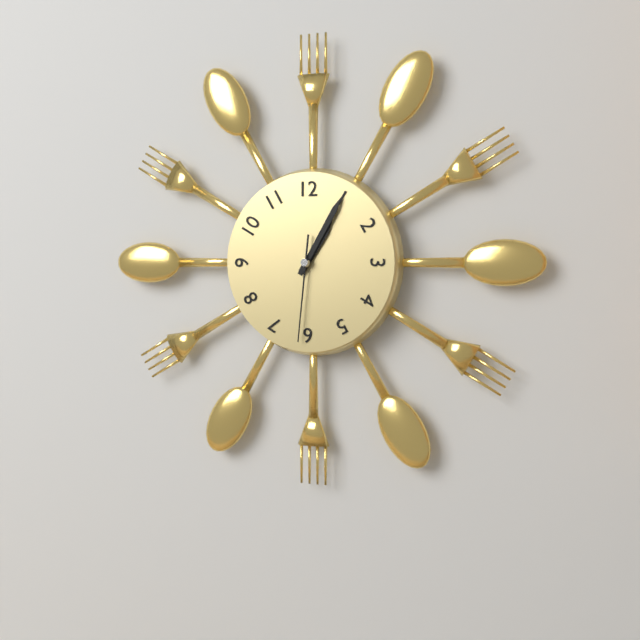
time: **1:05:31**
